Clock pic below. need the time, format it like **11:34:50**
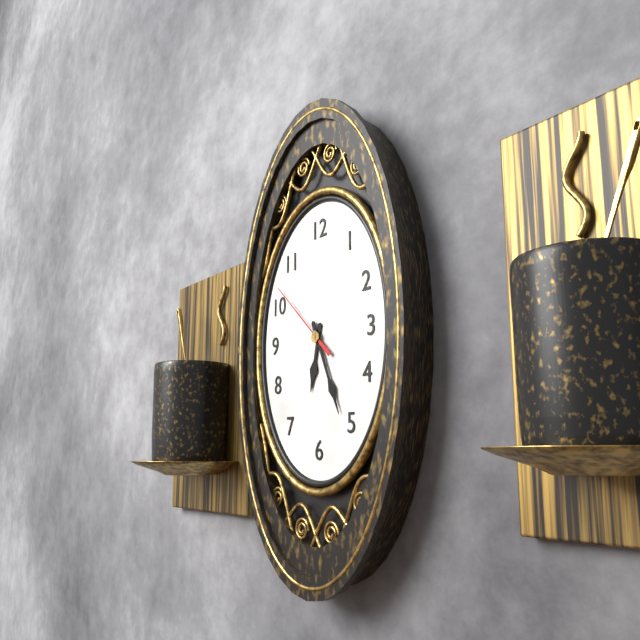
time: **6:26:52**
